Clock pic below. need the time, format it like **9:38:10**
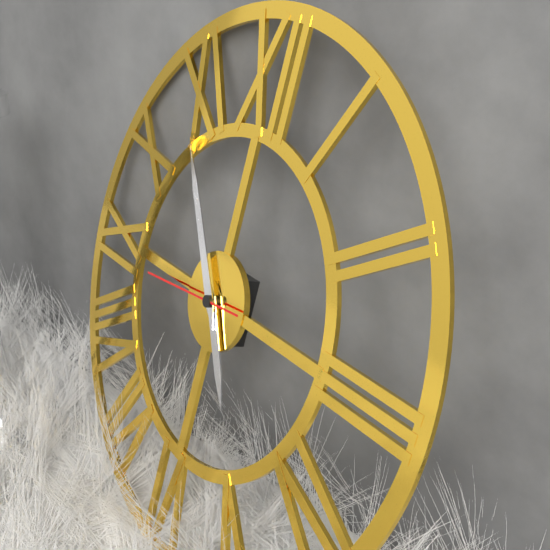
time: **4:54:44**
